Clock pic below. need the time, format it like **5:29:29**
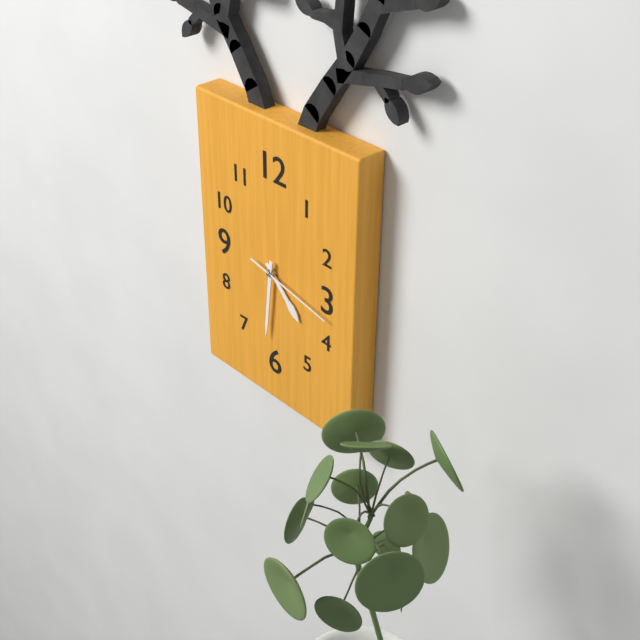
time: **4:31:17**
